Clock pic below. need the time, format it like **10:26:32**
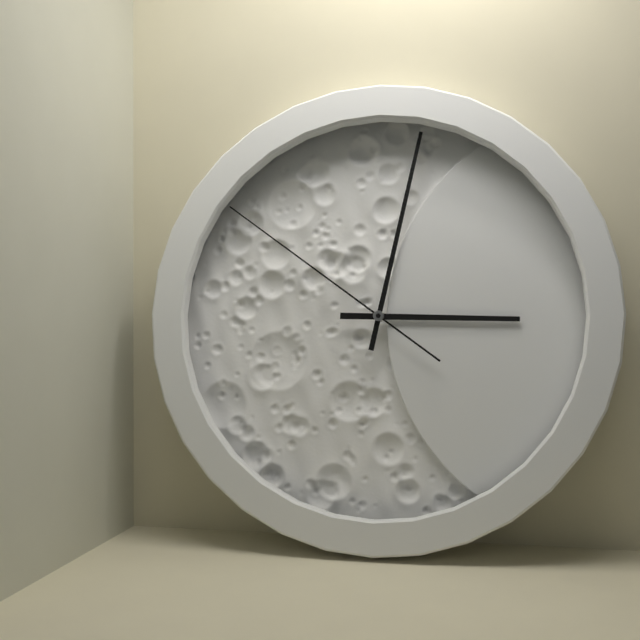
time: **3:02:51**
